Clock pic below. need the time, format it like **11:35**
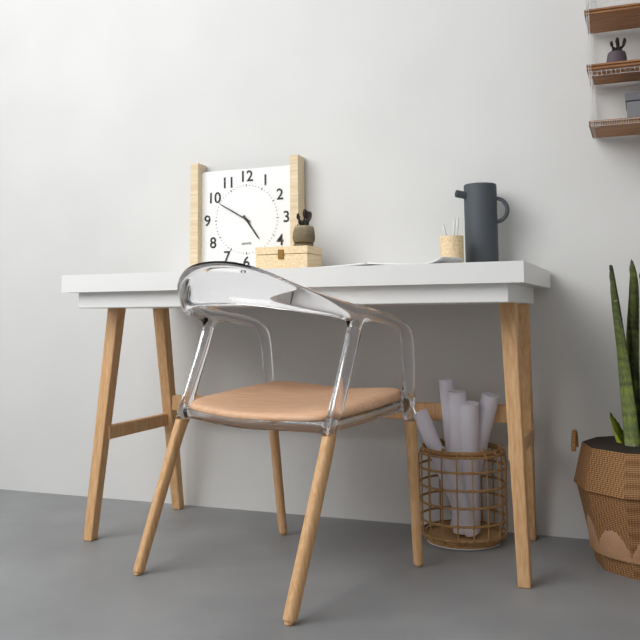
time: **4:50**
